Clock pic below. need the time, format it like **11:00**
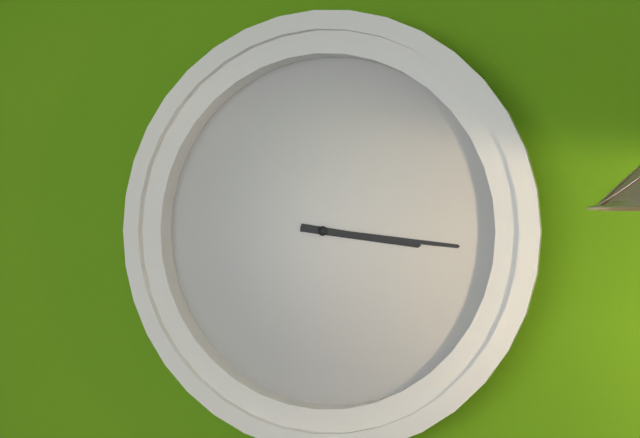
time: **3:16**
